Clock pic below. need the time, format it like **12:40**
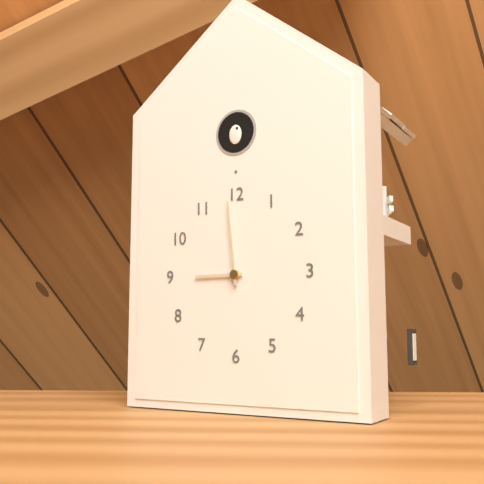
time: **8:59**
